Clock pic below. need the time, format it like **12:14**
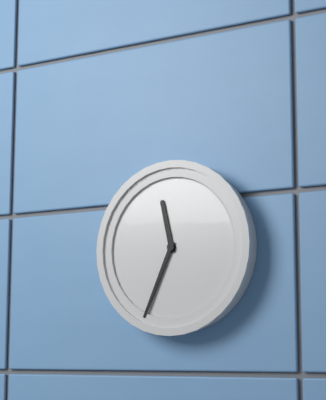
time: **11:34**
